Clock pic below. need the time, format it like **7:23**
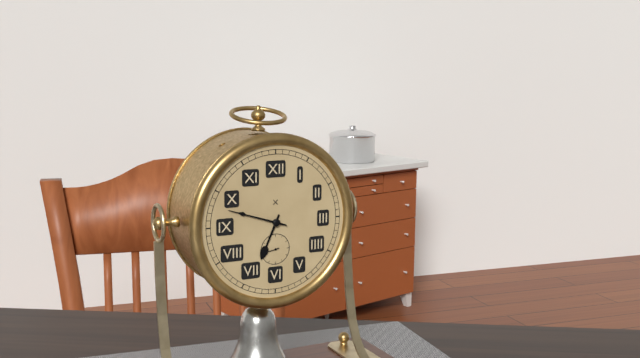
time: **6:48**
